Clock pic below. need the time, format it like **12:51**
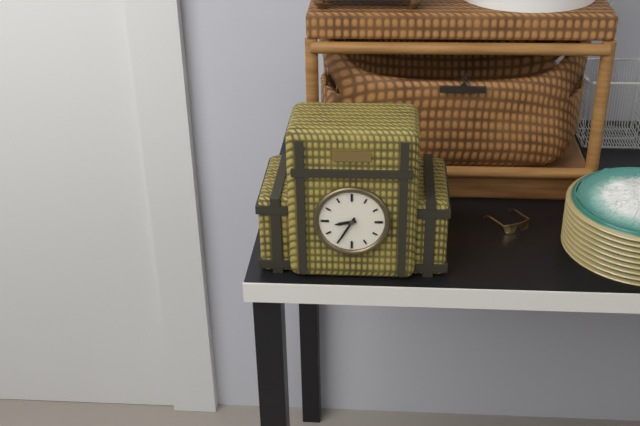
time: **8:35**
